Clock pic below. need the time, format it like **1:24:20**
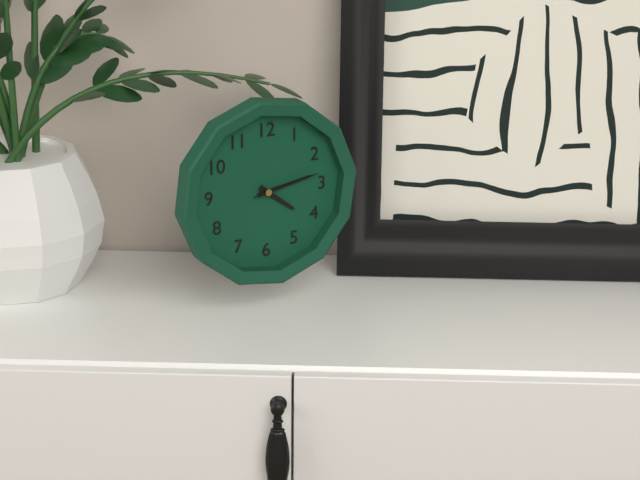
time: **4:13:13**
